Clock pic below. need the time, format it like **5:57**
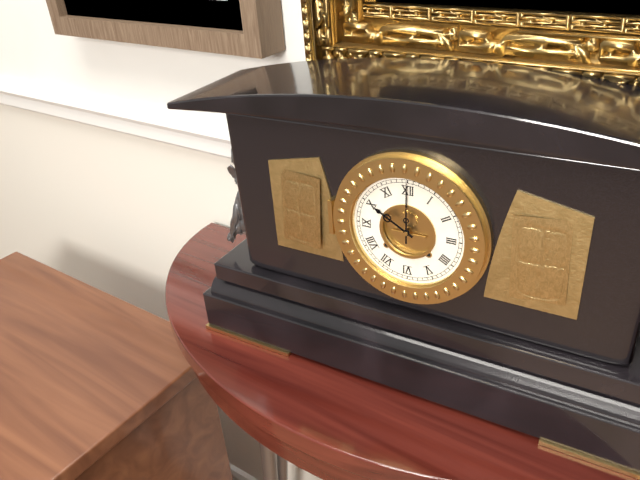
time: **10:00**
